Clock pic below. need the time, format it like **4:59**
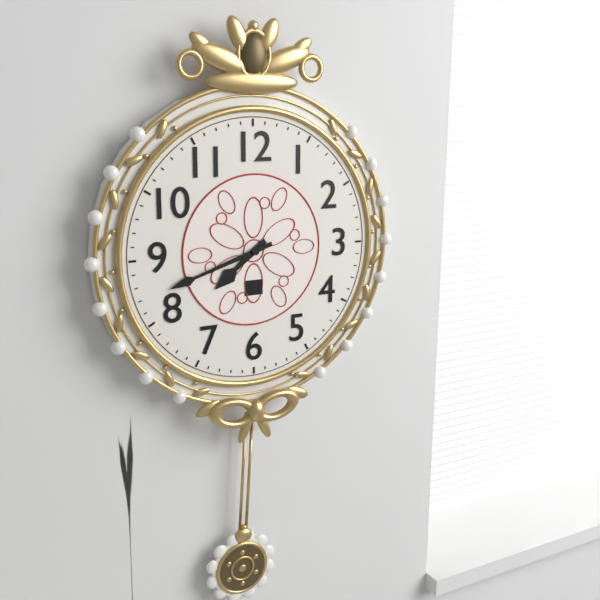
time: **7:42**
